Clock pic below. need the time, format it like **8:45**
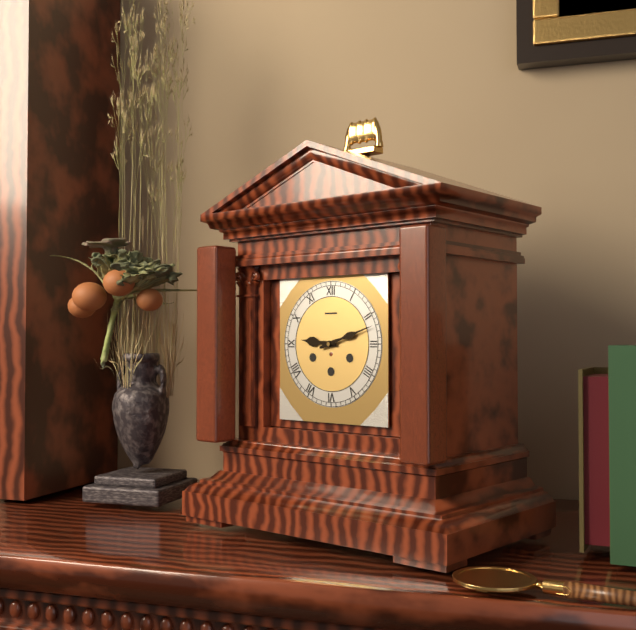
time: **9:12**
